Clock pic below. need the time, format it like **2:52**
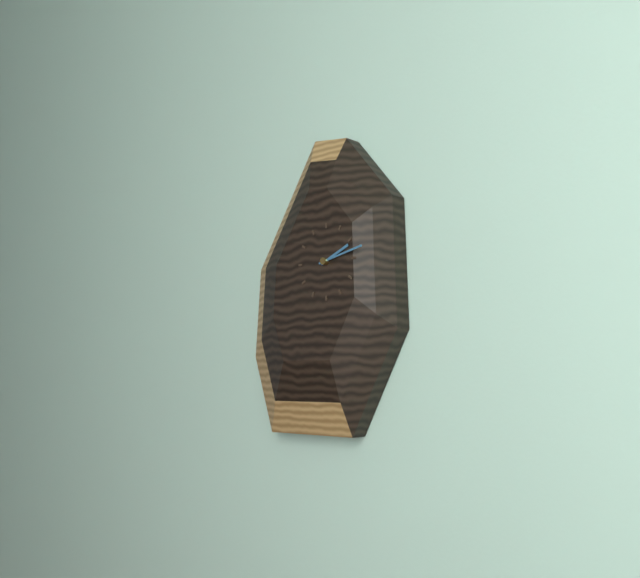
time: **2:13**
